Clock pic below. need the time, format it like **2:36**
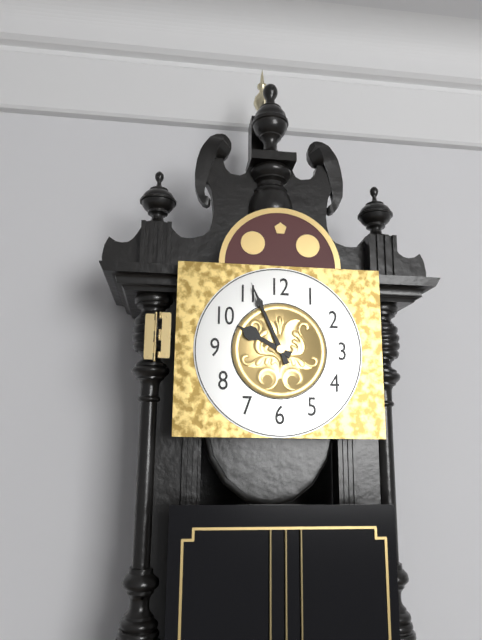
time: **9:56**
